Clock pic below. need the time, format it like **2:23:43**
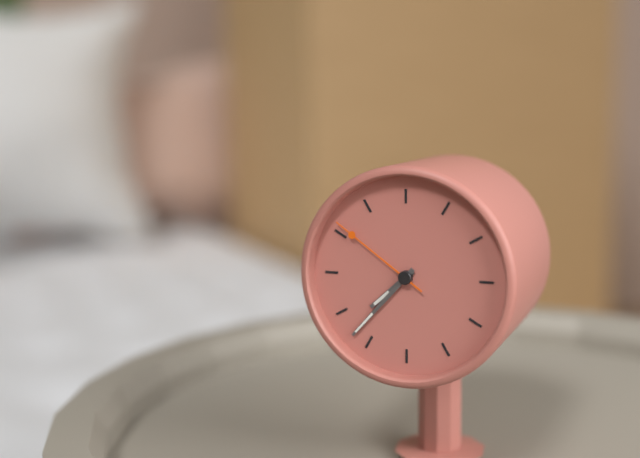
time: **7:37:51**
